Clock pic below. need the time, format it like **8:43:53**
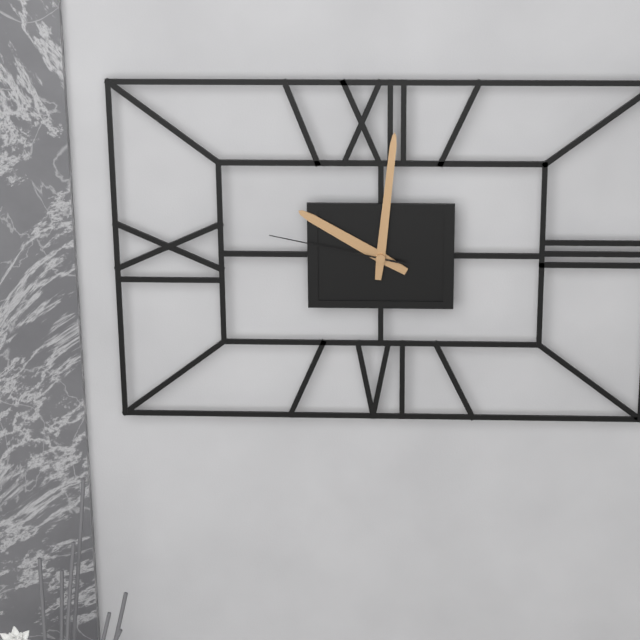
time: **10:01:47**
